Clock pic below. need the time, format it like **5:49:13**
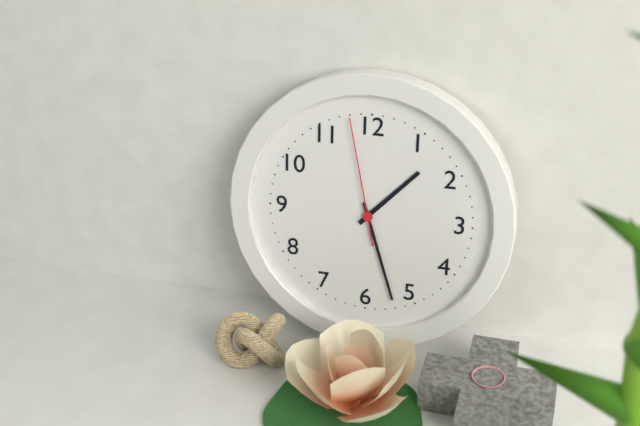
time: **1:27:58**
